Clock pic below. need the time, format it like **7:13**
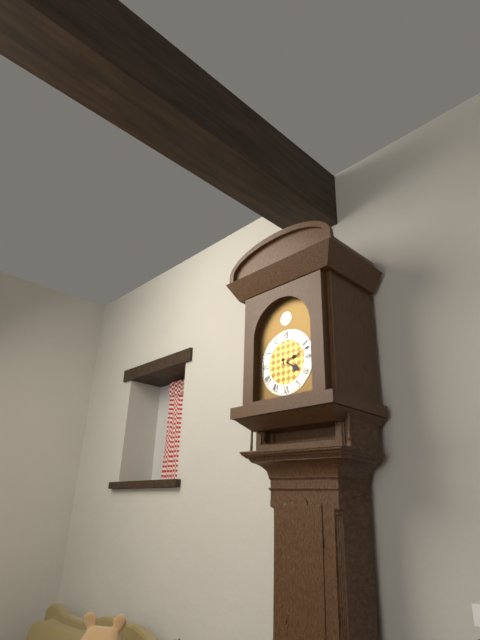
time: **4:12**
